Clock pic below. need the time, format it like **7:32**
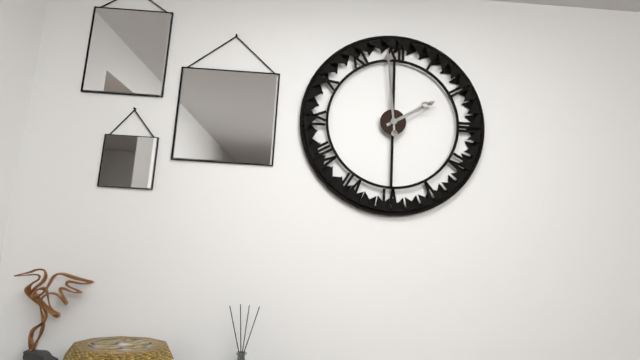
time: **1:59**
